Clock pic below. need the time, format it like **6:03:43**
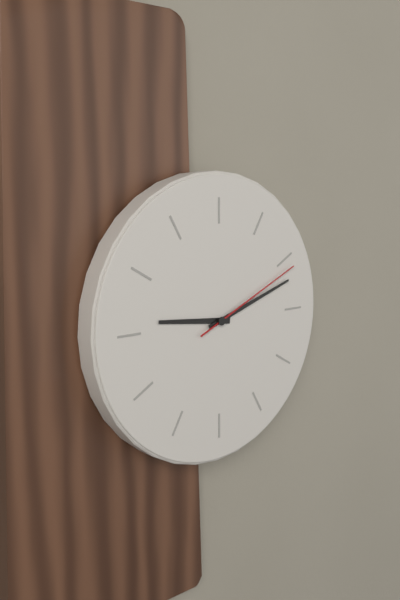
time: **9:12:11**
